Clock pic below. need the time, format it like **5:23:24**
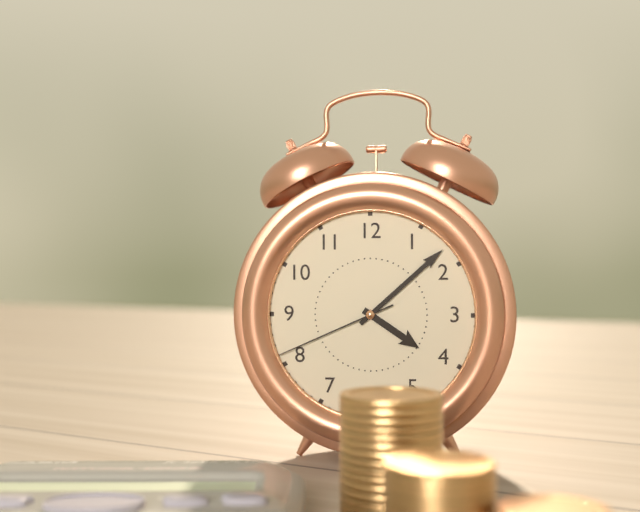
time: **4:08:41**
